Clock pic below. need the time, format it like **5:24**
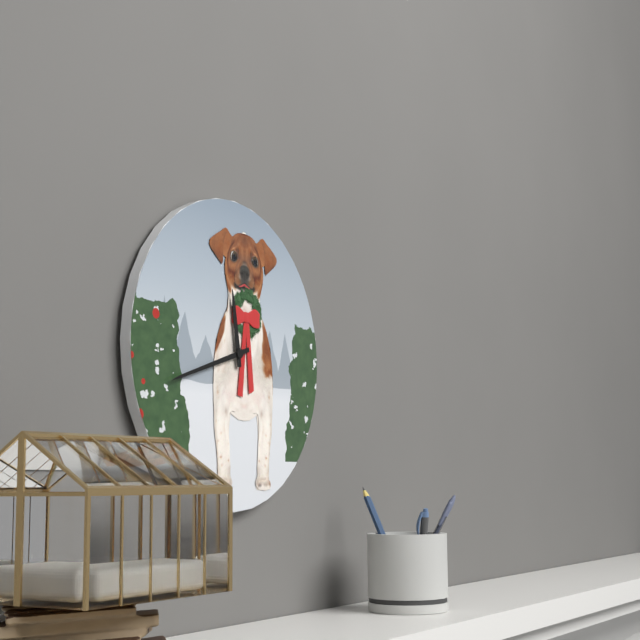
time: **11:42**
